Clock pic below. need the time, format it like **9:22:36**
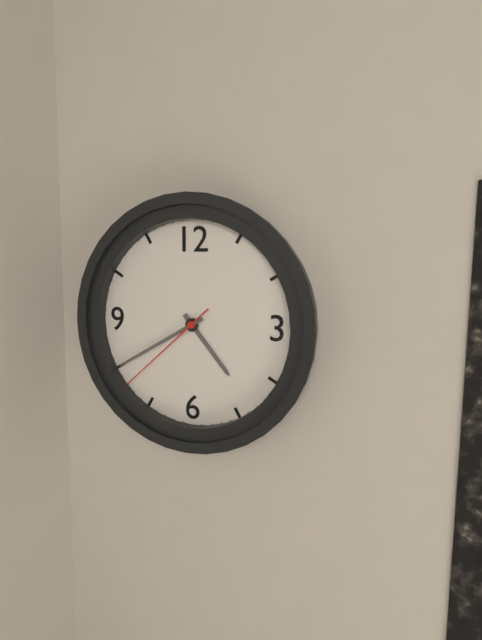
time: **4:40:38**
